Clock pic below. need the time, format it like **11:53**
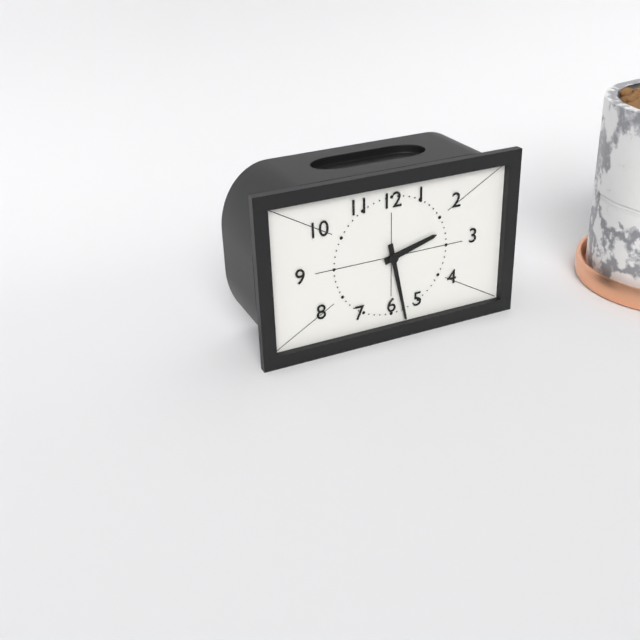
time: **2:28**
